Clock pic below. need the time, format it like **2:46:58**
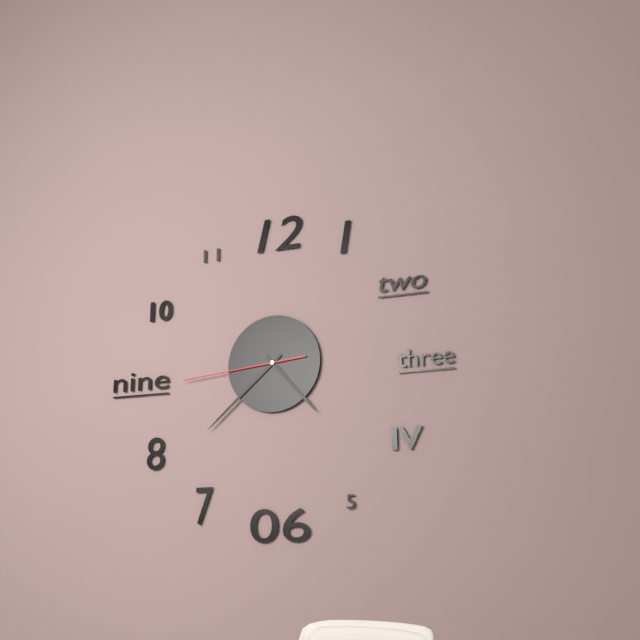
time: **4:38:44**
